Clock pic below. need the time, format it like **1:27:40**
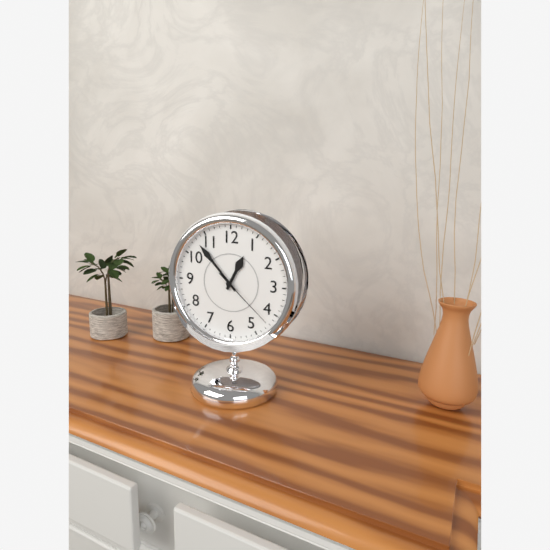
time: **12:53:22**
